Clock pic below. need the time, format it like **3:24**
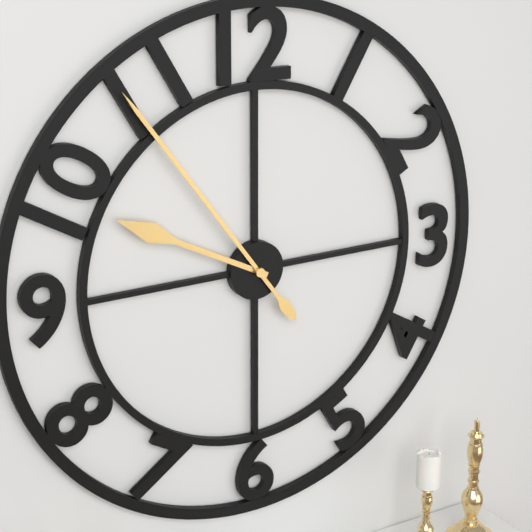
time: **9:54**
